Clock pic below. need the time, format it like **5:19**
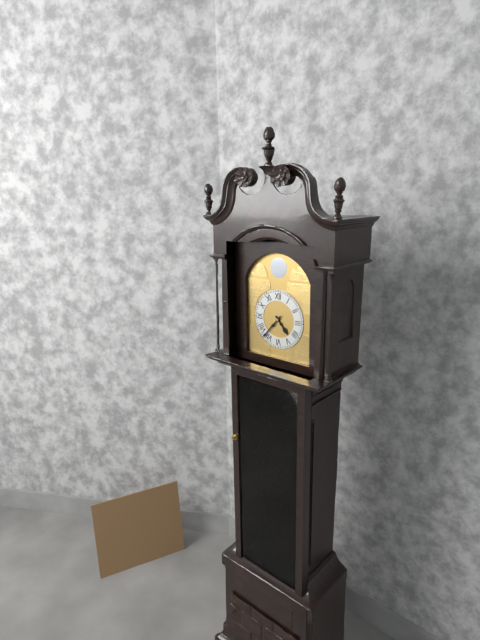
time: **4:37**
